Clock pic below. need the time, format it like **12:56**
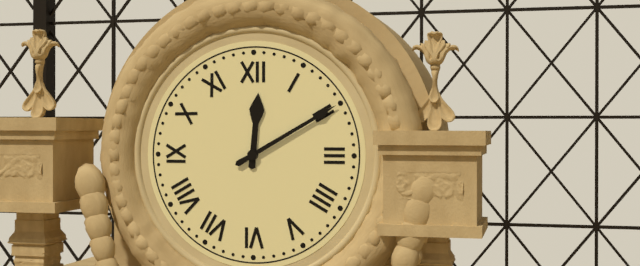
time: **12:10**
